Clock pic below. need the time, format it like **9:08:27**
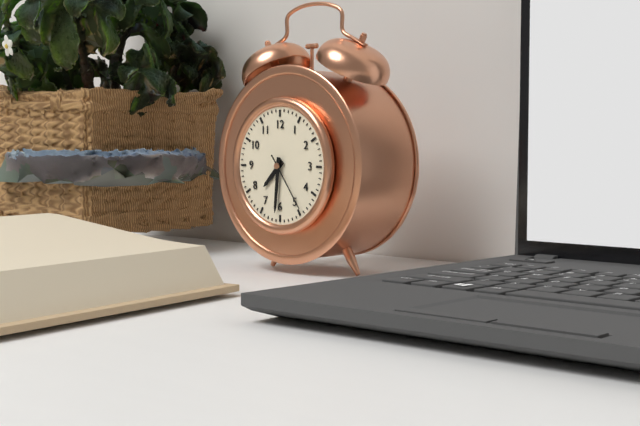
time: **7:31:24**
